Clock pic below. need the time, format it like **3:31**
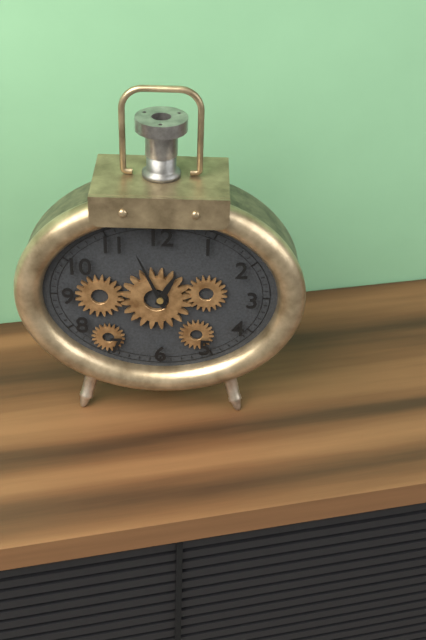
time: **12:56**
